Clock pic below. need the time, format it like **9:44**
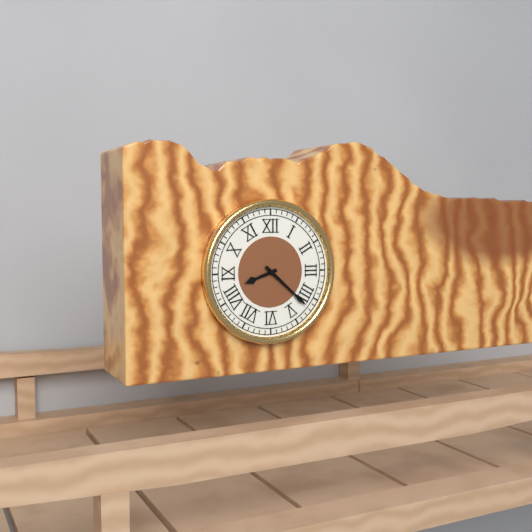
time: **8:22**
